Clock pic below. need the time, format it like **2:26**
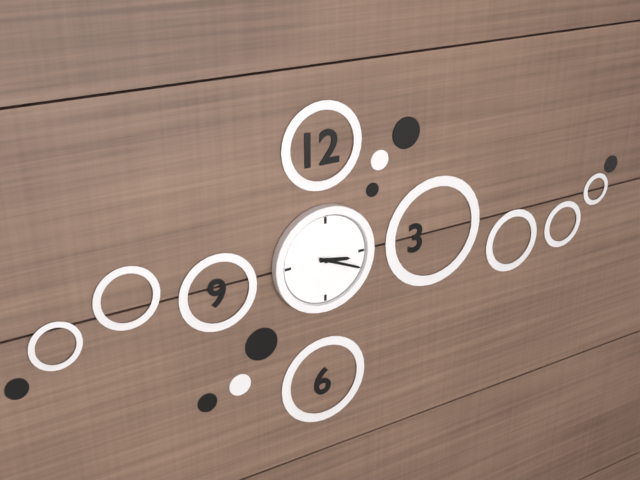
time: **3:19**
